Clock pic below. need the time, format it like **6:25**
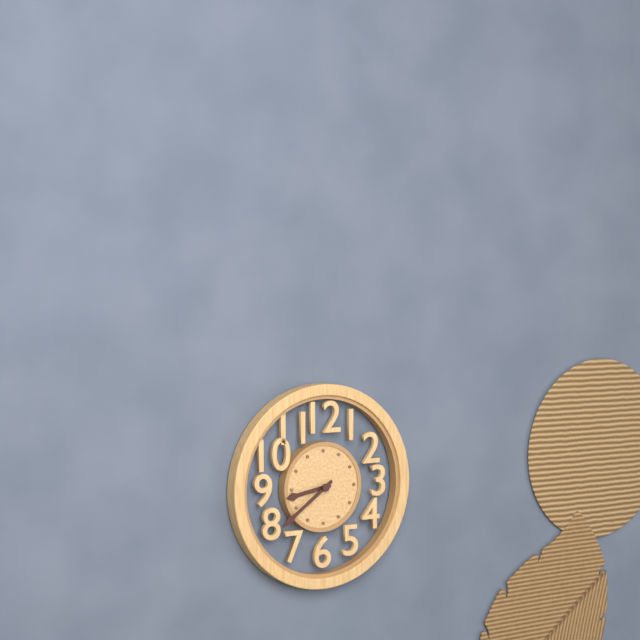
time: **8:39**
